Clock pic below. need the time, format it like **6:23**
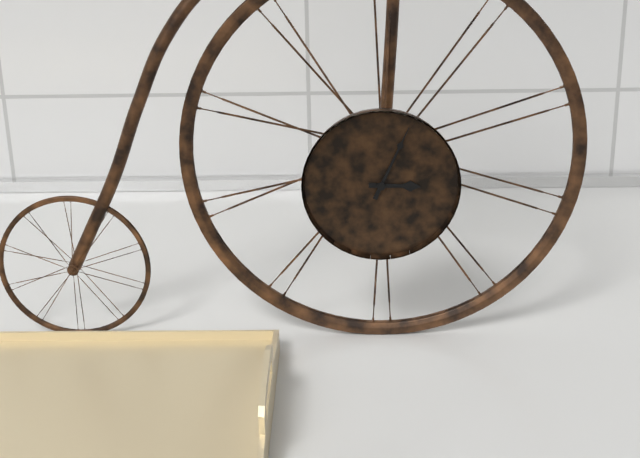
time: **3:04**
